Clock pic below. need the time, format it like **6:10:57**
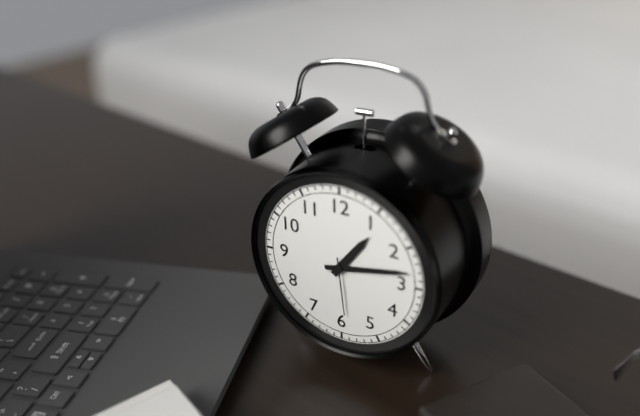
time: **1:13:29**
